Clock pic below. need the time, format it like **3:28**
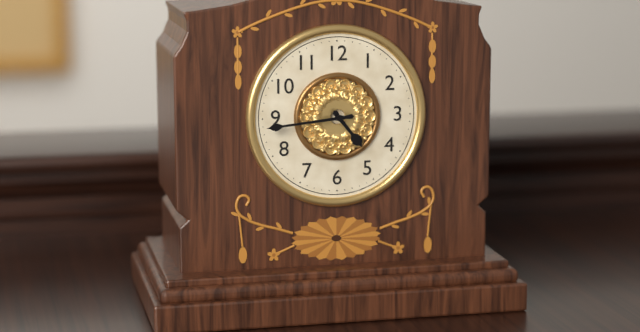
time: **4:44**
